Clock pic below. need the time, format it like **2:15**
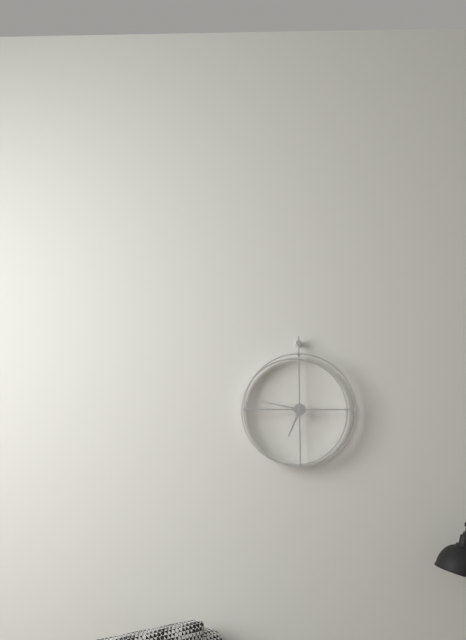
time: **6:47**
